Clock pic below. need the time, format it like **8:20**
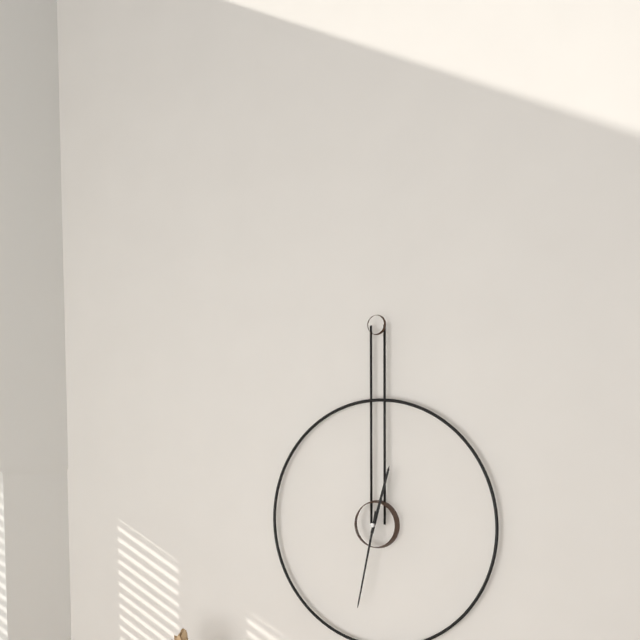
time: **12:32**
